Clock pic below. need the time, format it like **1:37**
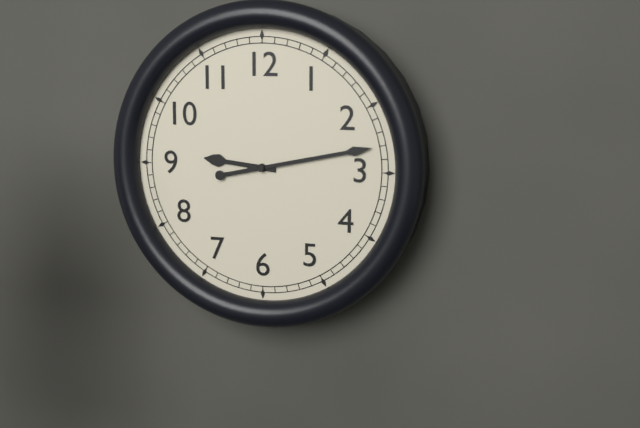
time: **9:13**
